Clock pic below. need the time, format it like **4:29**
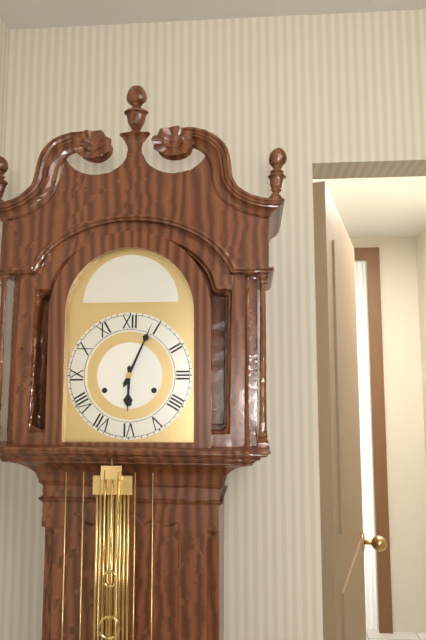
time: **6:04**
